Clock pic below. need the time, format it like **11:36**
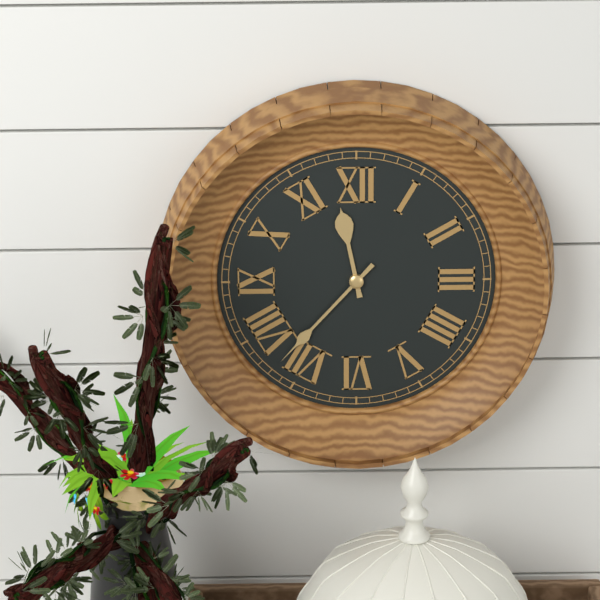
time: **11:37**
